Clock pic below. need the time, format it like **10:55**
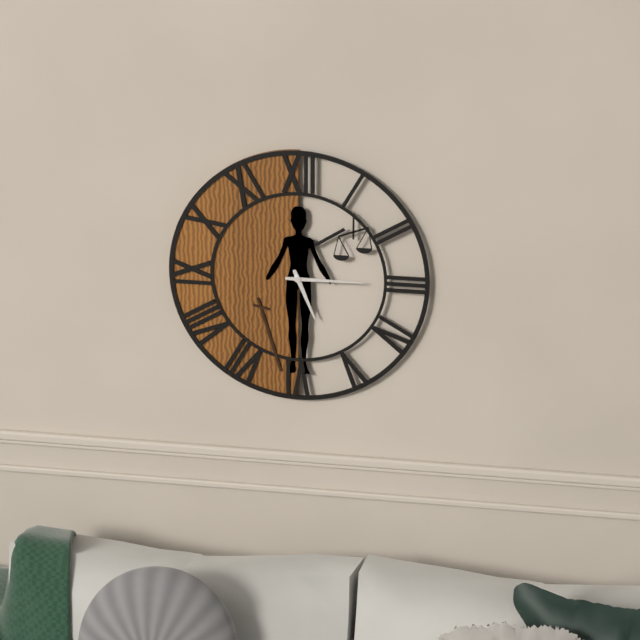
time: **5:15**
